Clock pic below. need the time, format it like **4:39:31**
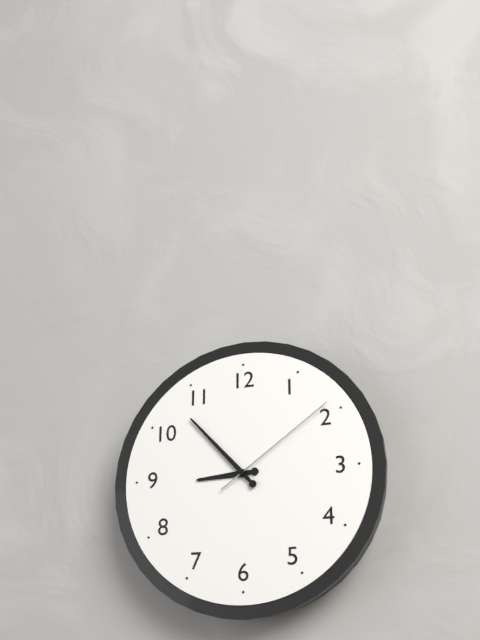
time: **8:53:09**
